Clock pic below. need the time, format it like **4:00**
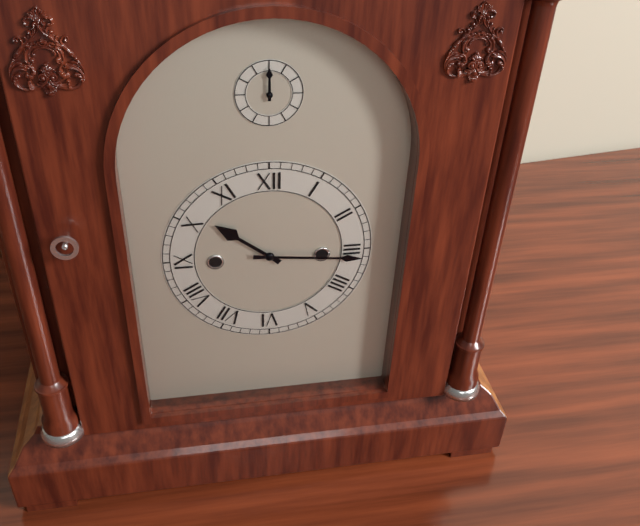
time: **10:16**
